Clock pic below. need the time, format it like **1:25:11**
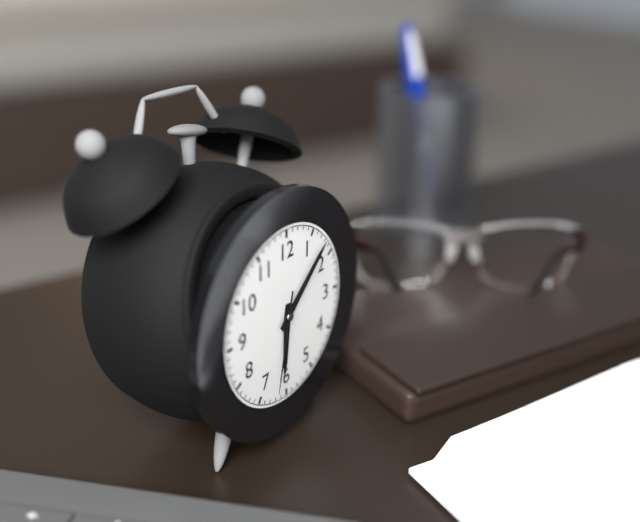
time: **6:08:32**
